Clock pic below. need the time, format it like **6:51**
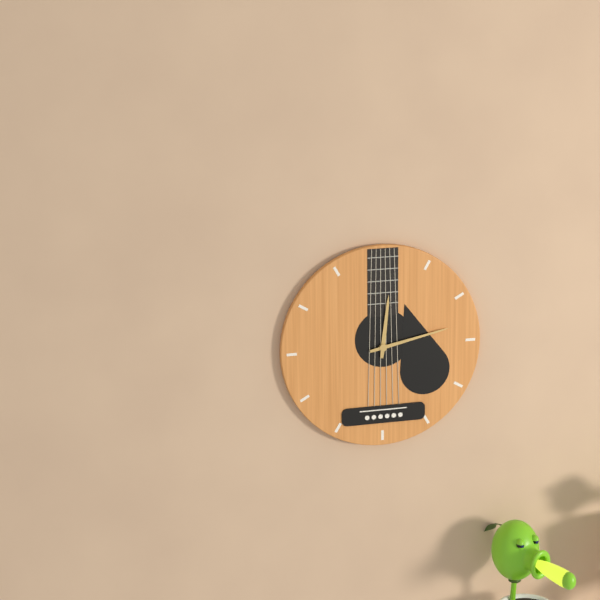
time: **12:13**
